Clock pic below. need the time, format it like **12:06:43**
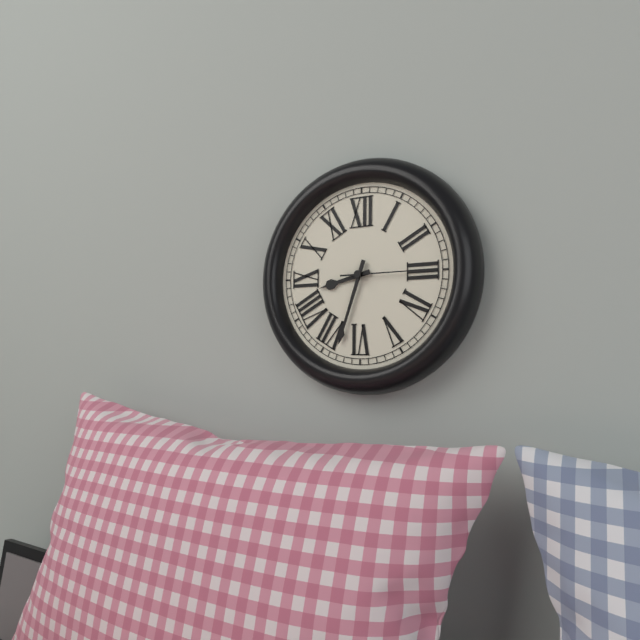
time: **8:33:15**
